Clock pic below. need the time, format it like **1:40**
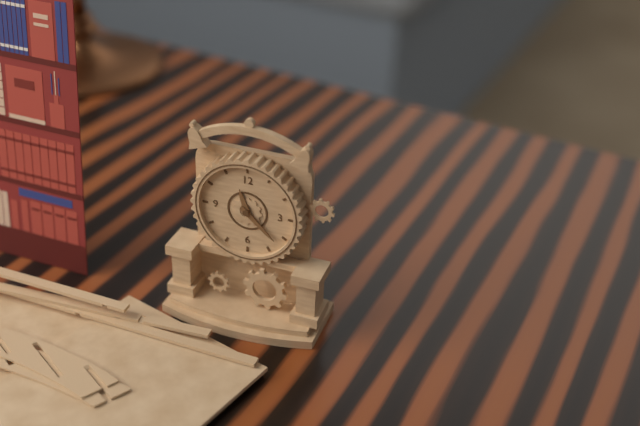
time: **11:22**
